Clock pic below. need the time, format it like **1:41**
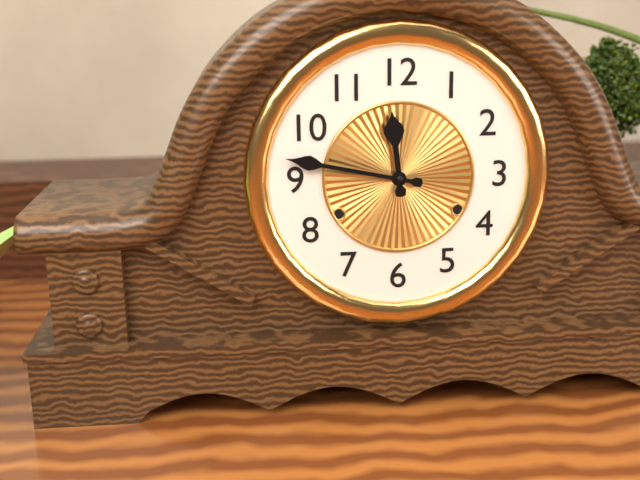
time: **11:47**
